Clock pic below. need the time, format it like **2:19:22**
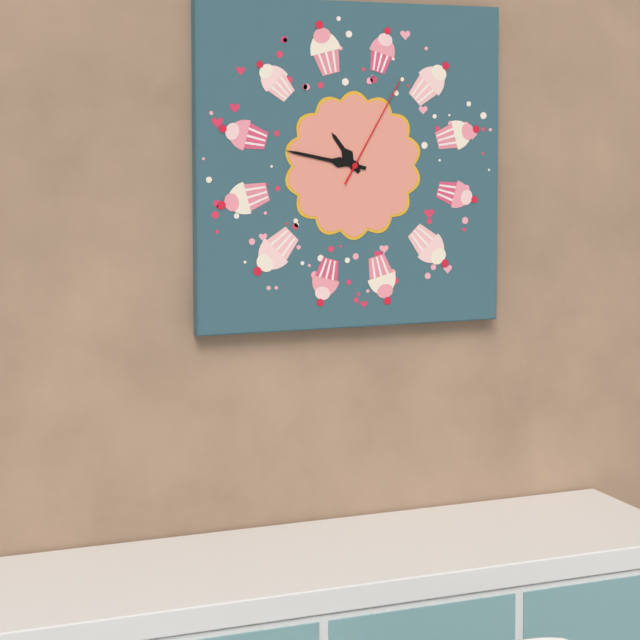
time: **10:47:05**
